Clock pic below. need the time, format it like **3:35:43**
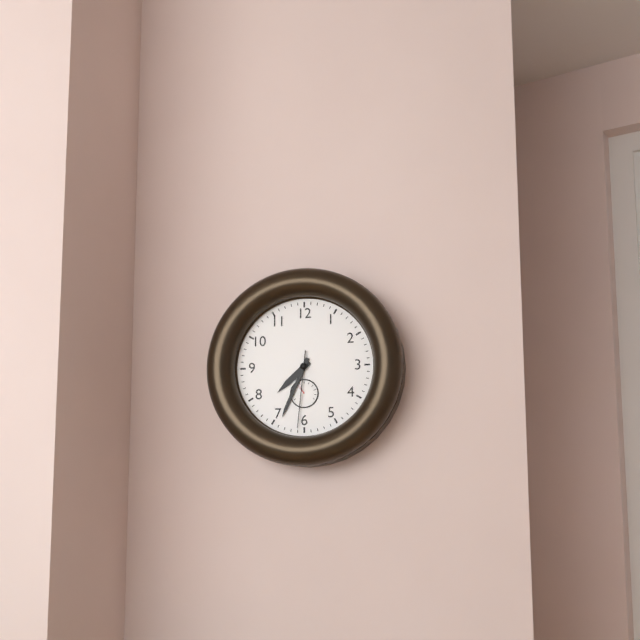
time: **7:34:31**
